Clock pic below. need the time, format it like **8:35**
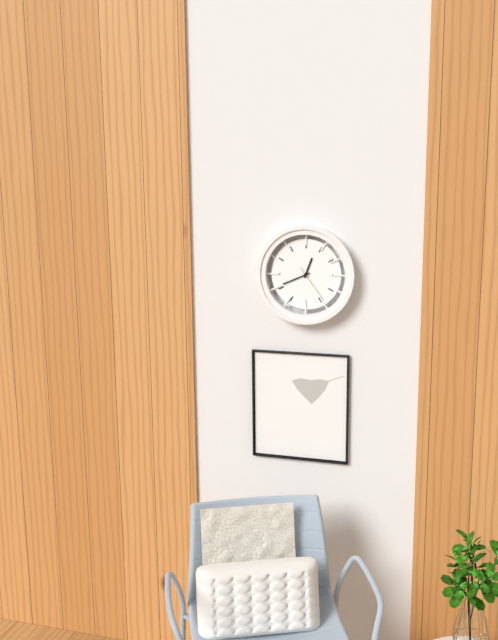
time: **12:41**
